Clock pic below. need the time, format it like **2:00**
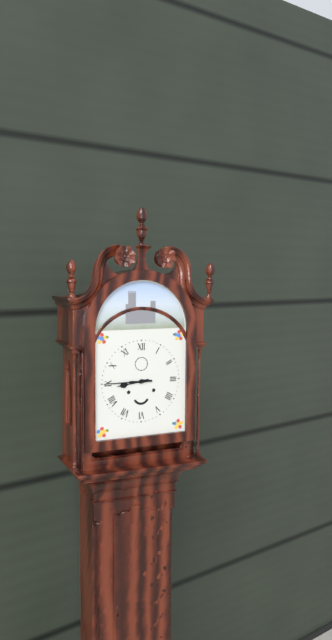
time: **8:45**
